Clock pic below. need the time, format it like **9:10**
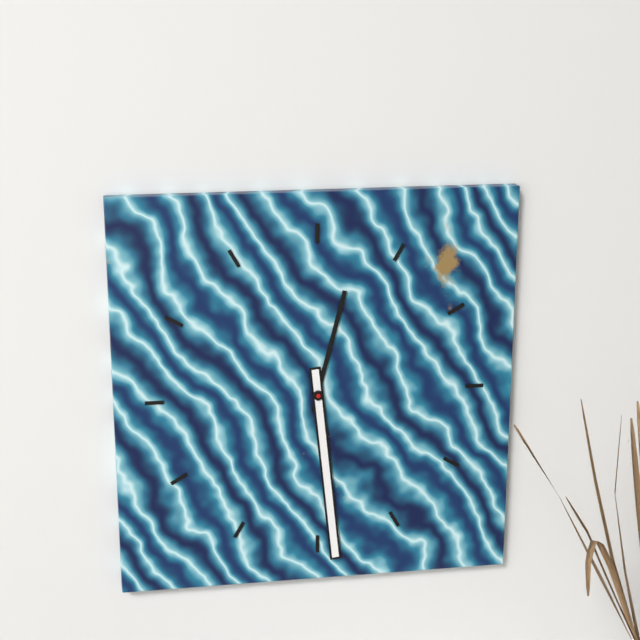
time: **12:29**
